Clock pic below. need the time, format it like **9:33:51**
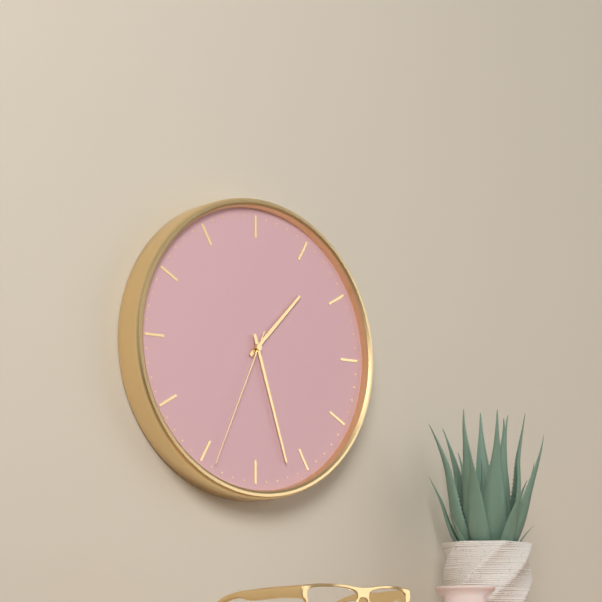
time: **1:27:34**
